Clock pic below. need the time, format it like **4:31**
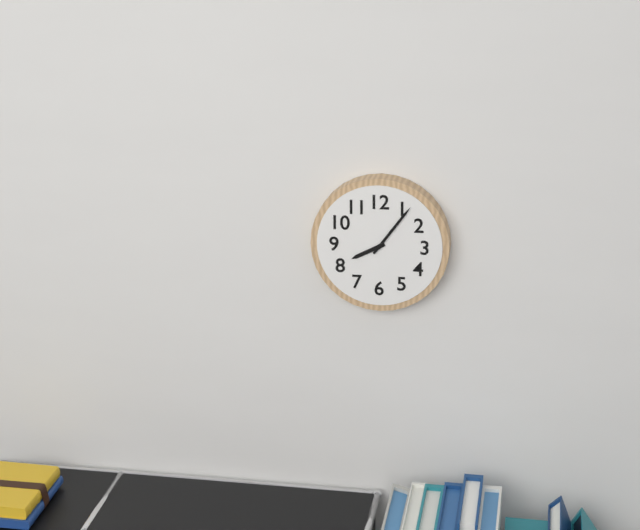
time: **8:06**
